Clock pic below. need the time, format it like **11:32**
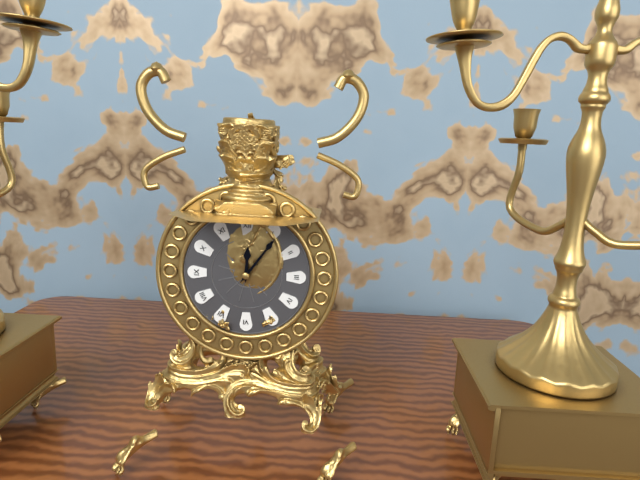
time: **12:06**
